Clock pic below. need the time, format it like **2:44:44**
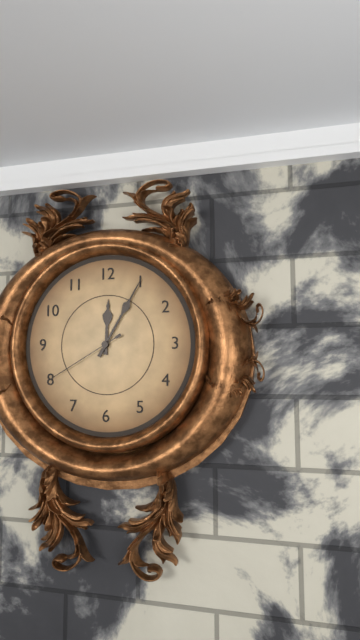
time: **12:05:40**
